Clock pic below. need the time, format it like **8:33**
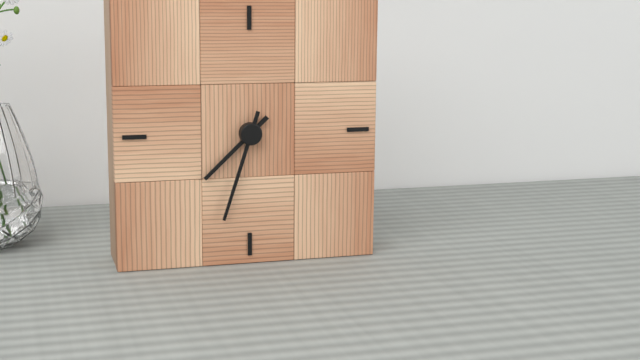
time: **7:33**
